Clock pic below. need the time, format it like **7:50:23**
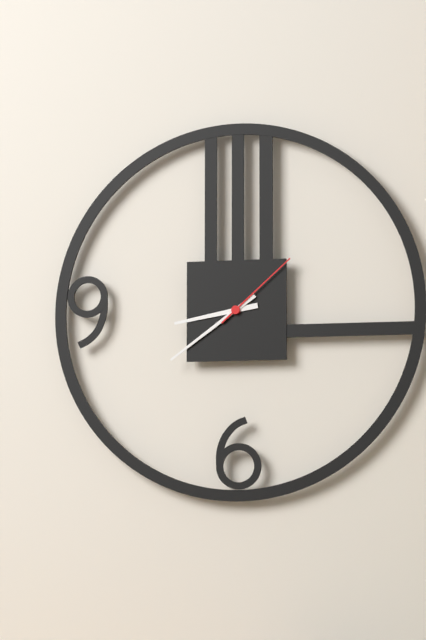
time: **8:39:08**
